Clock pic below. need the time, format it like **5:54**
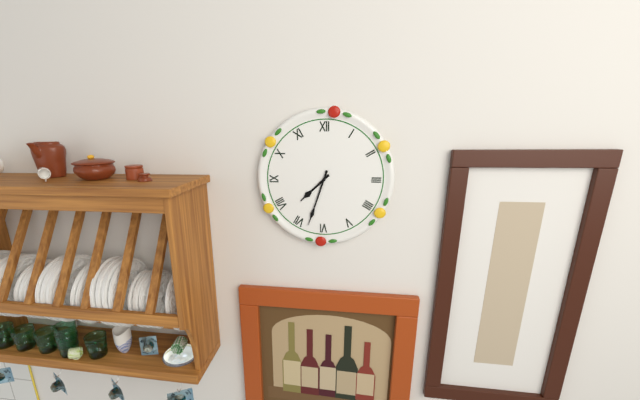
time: **7:33**
